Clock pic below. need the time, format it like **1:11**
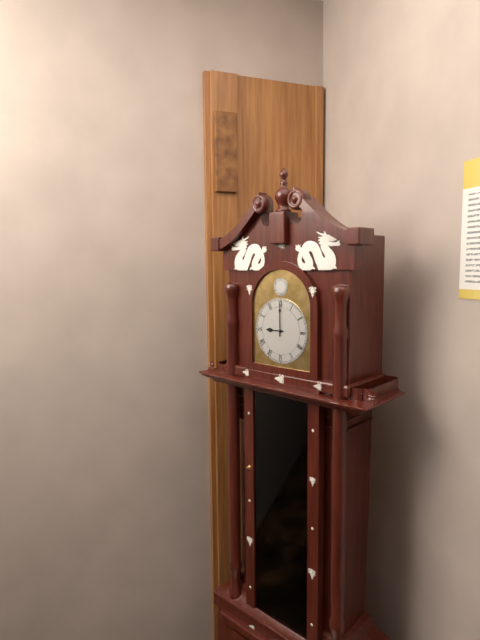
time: **9:00**
